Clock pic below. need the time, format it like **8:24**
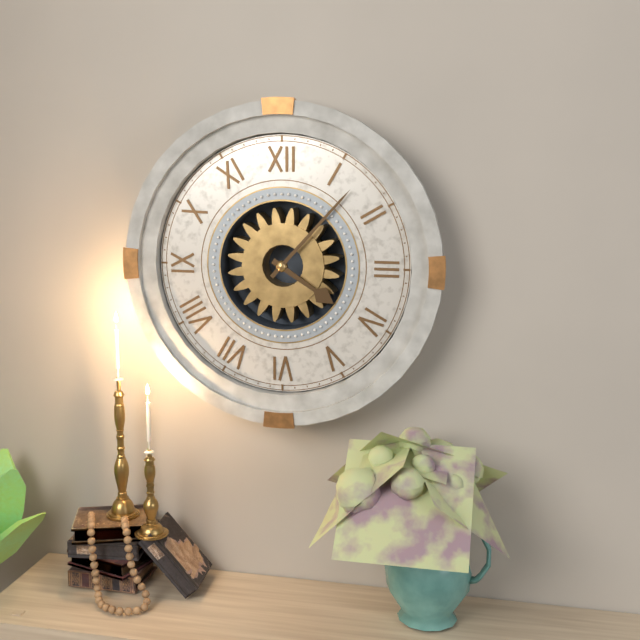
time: **4:07**
